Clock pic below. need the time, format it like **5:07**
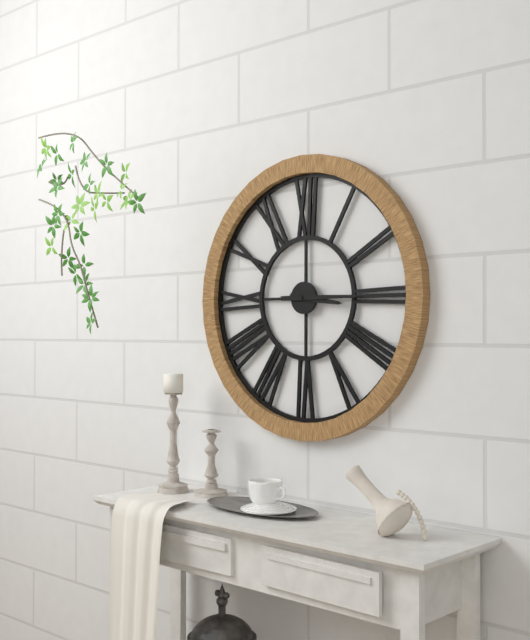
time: **3:15**
